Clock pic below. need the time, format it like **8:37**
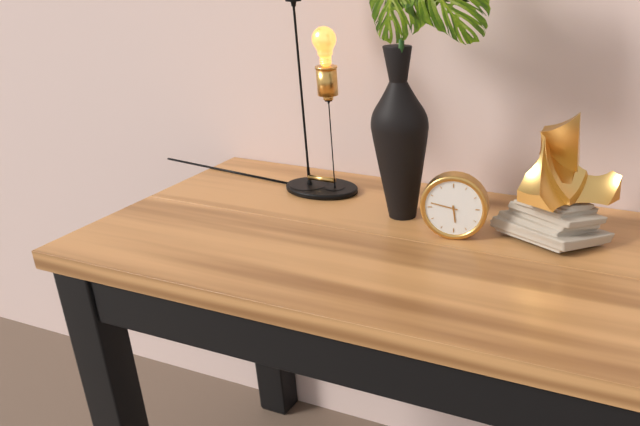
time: **5:47**
